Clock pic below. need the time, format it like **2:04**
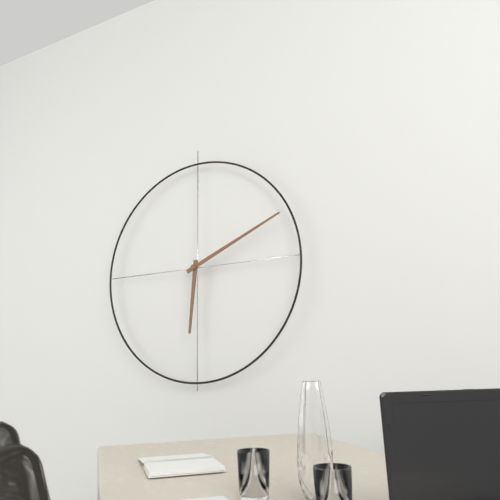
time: **6:11**
